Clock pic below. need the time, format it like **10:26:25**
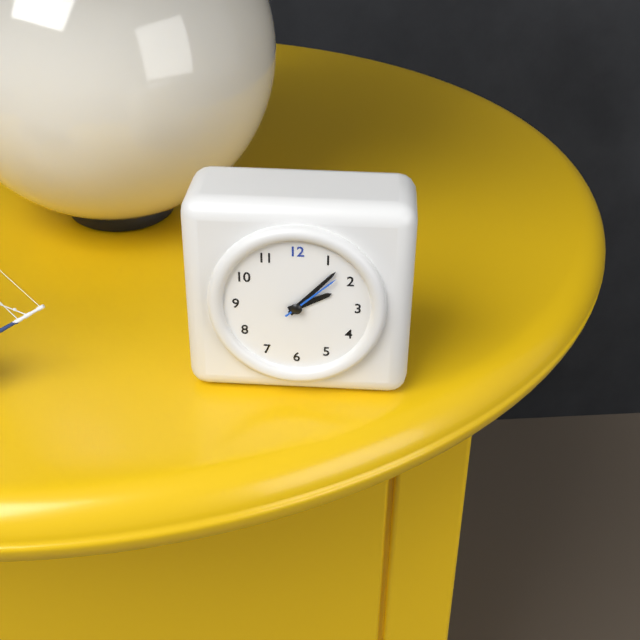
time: **2:07:08**
